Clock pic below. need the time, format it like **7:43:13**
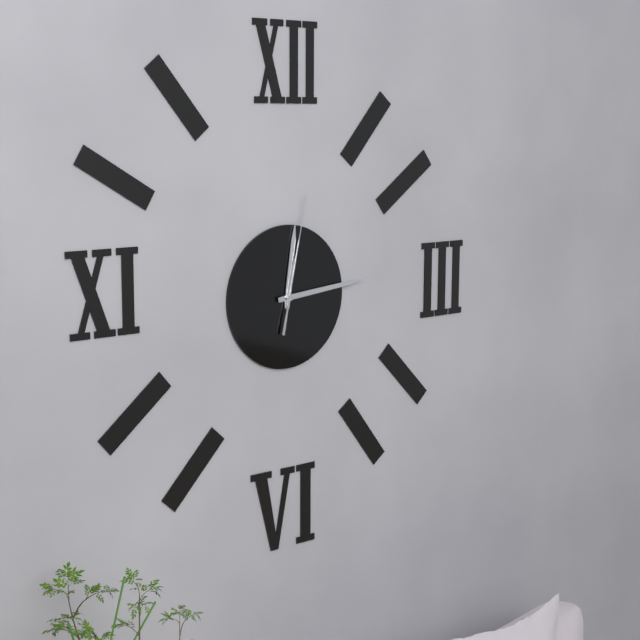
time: **12:14:02**
